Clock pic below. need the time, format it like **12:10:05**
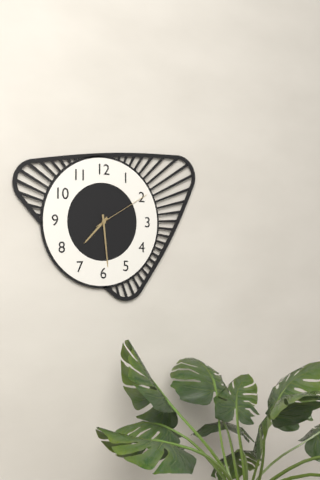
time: **7:29:10**
